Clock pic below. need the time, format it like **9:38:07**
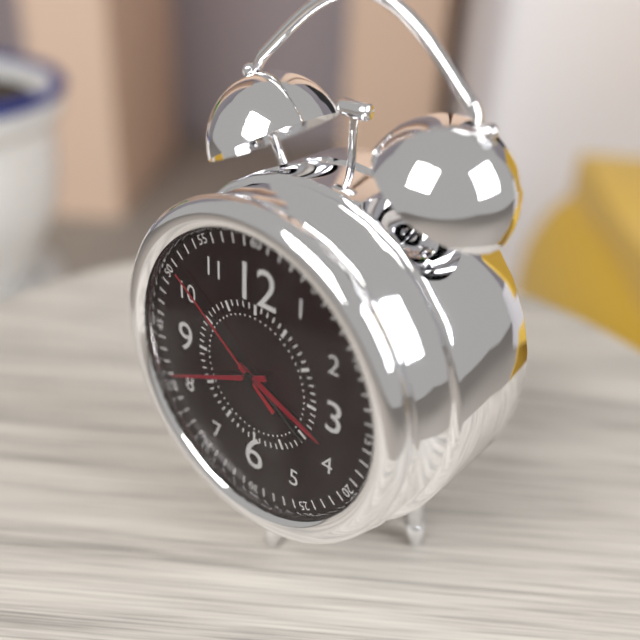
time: **3:41:51**
